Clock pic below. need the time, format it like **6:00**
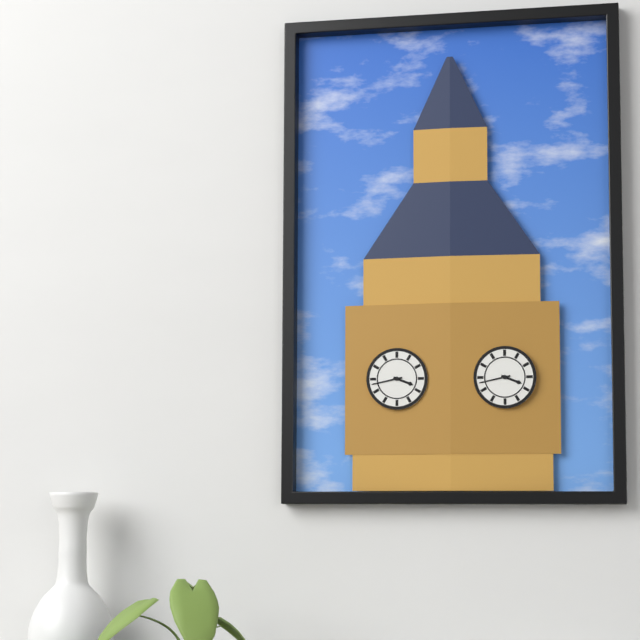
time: **3:43**
